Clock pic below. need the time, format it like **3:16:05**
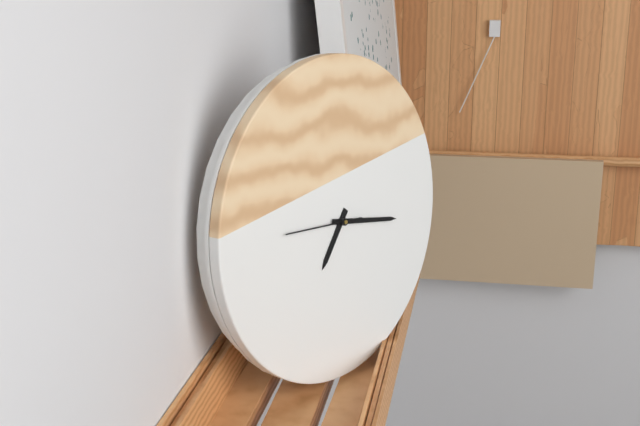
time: **7:17:46**
